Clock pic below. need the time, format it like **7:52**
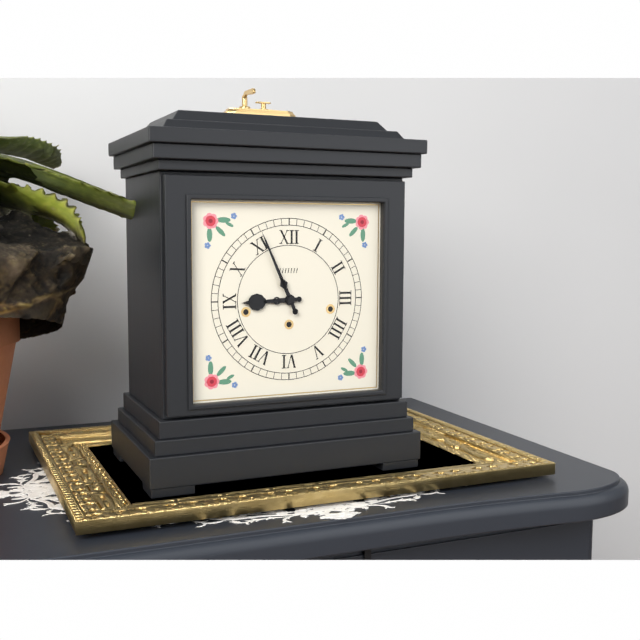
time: **8:56**
